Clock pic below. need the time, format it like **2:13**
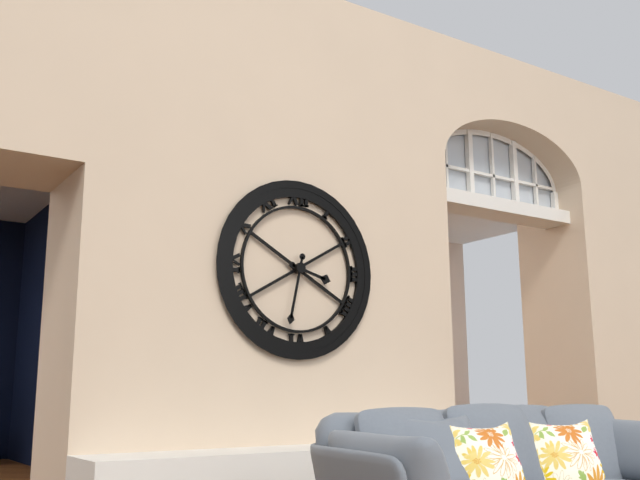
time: **3:32**
